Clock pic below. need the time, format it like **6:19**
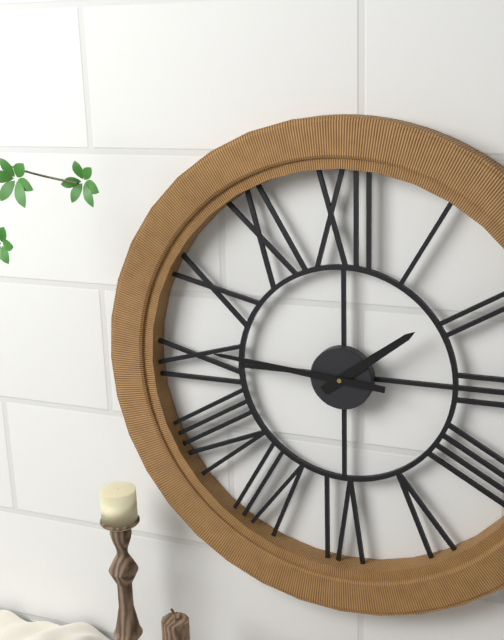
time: **1:46**
